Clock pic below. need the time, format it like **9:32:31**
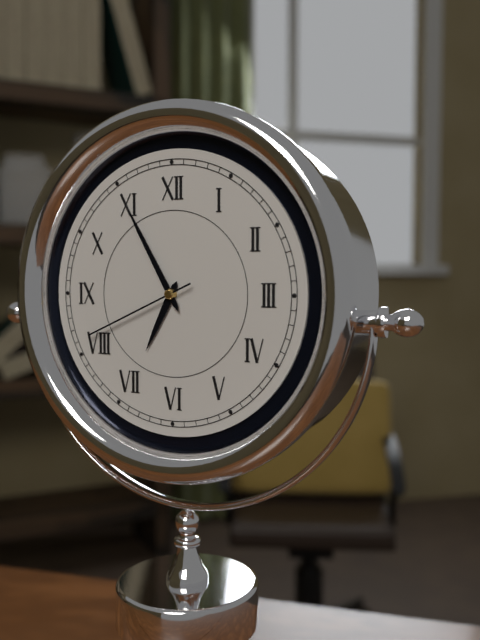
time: **6:55:41**
